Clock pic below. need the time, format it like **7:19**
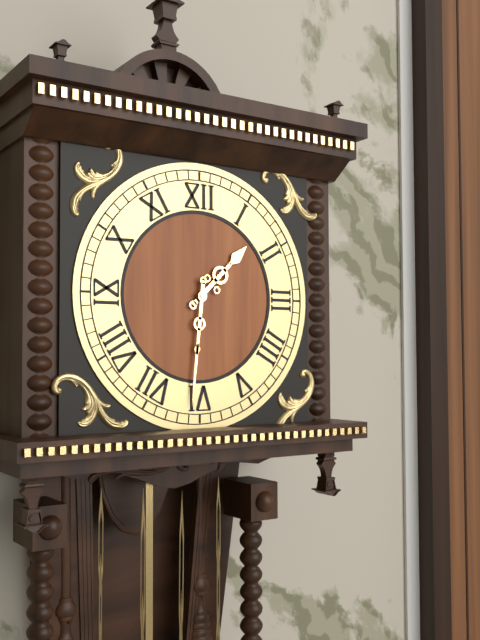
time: **1:31**
